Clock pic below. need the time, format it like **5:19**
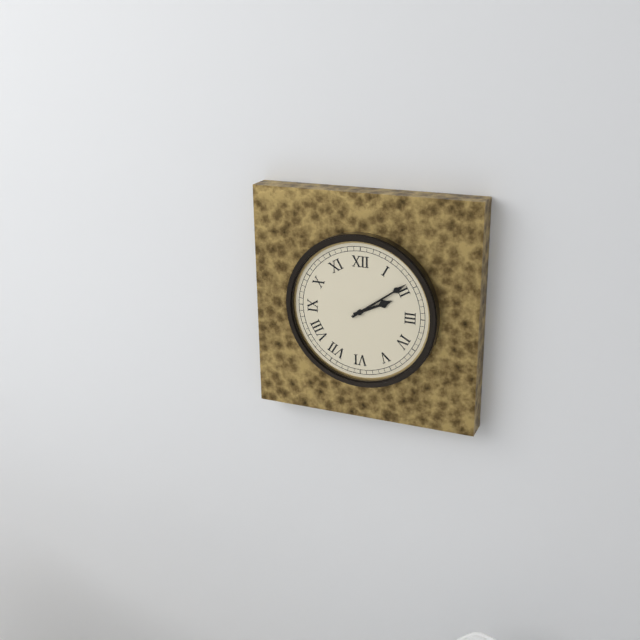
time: **2:09**
